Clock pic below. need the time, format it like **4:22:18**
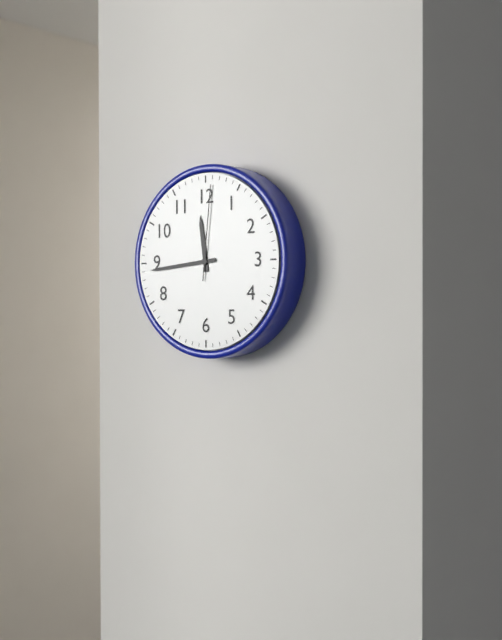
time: **11:44:01**
